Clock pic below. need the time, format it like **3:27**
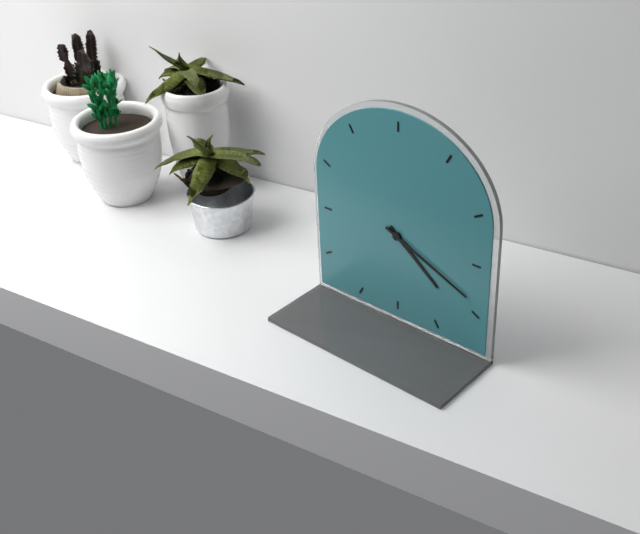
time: **4:19**
